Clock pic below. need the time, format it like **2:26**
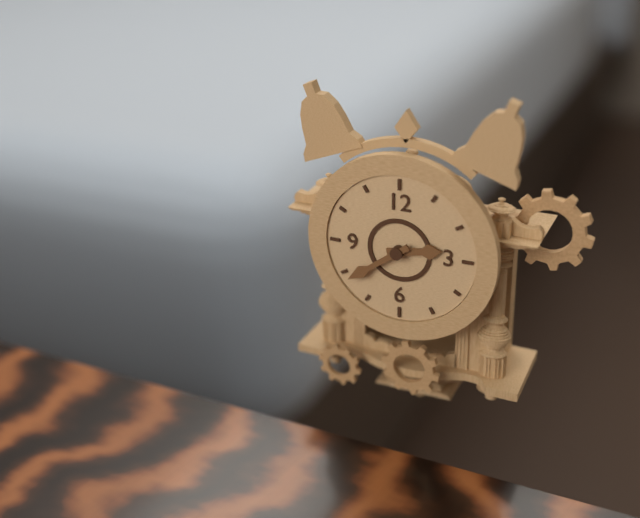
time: **2:39**
